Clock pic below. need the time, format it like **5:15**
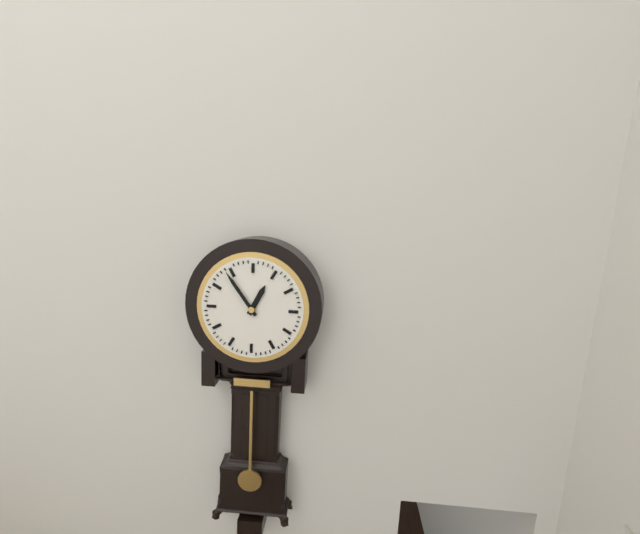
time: **12:54**
